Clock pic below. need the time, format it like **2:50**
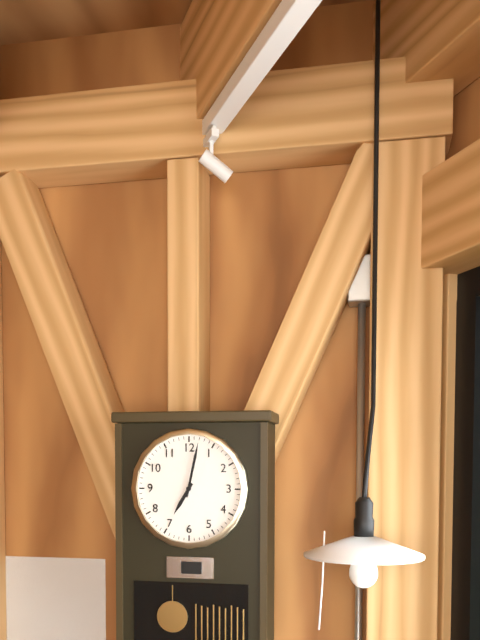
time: **7:02**
